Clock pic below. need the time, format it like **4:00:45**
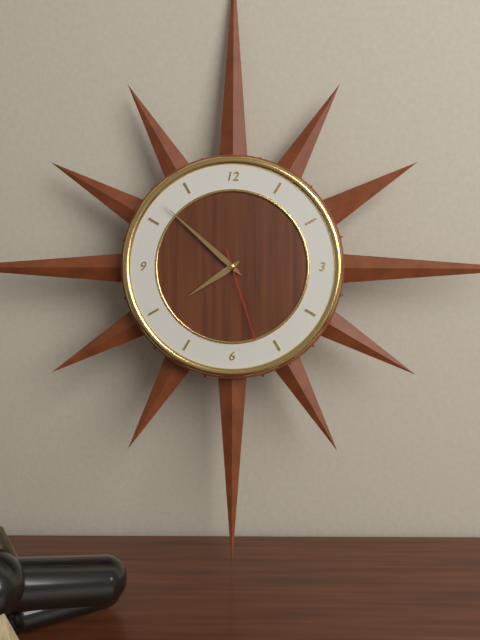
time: **7:52:27**
